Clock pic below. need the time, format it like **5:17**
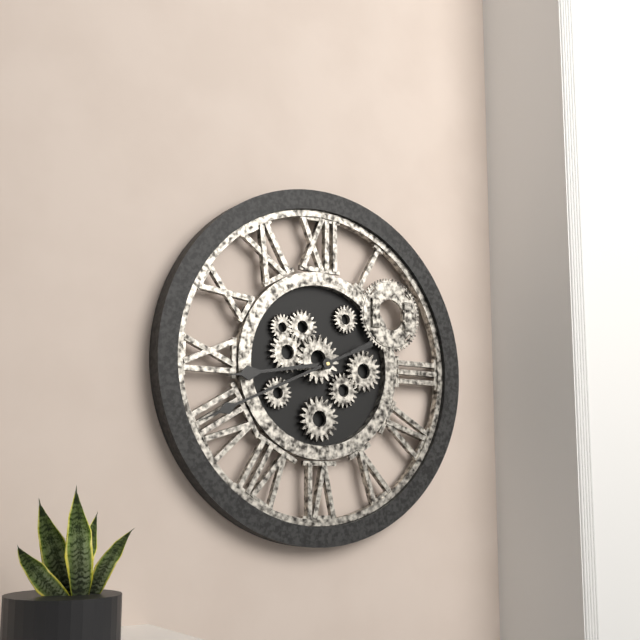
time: **8:41**
